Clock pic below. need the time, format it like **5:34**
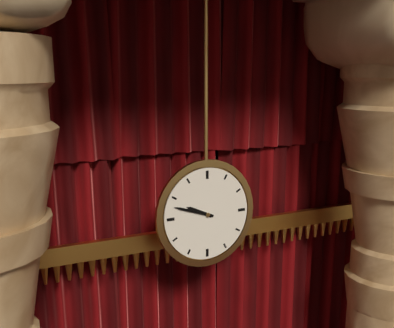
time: **9:48**
